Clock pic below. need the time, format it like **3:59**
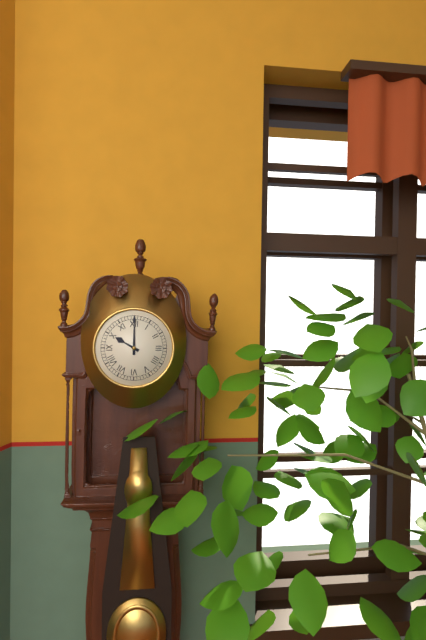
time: **10:00**
